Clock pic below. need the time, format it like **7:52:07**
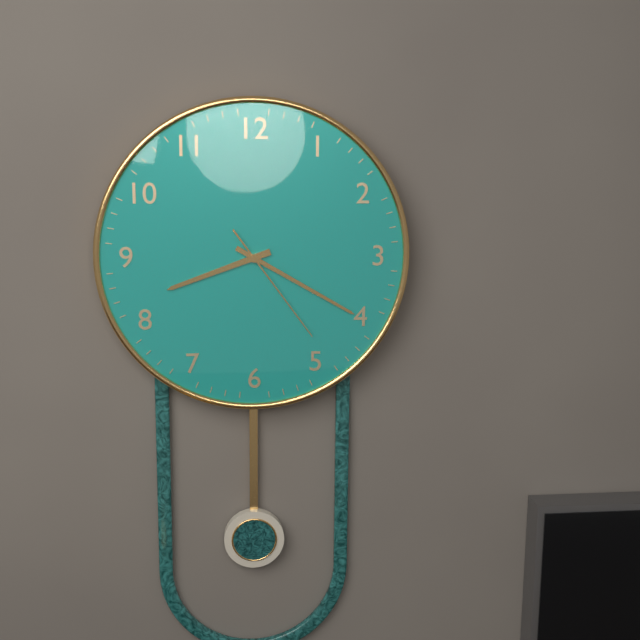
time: **8:20:24**
